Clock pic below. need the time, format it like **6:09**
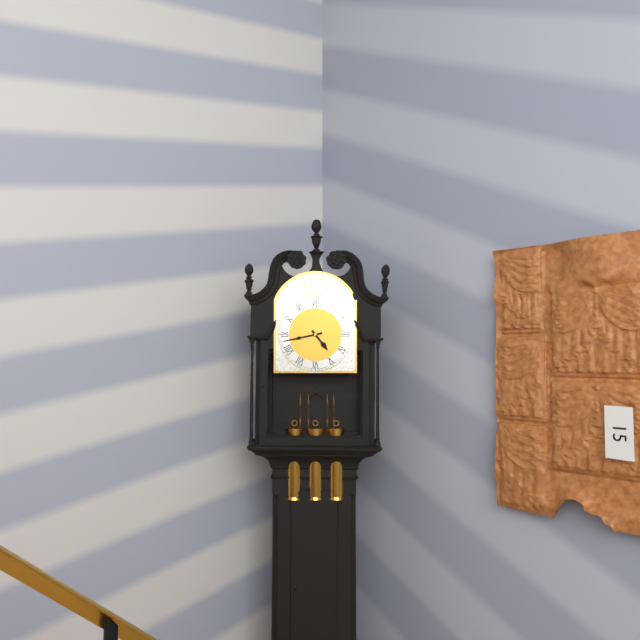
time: **4:43**
